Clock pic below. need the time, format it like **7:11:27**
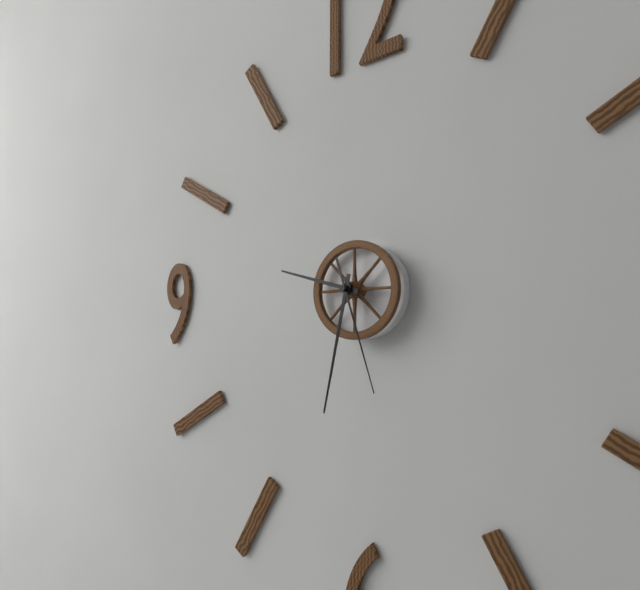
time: **9:32:27**
